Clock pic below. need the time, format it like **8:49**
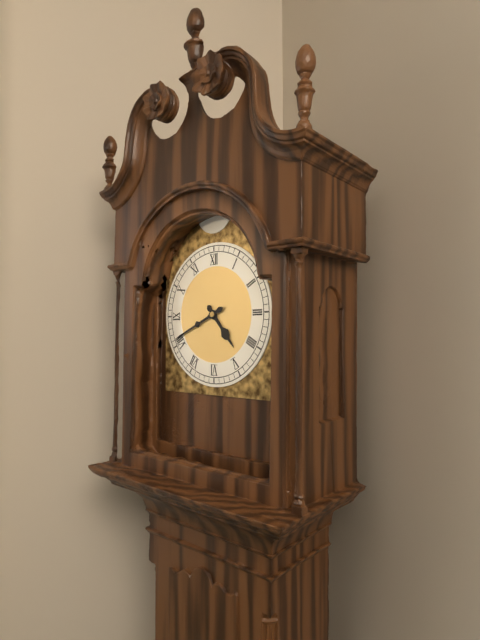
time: **4:41**
